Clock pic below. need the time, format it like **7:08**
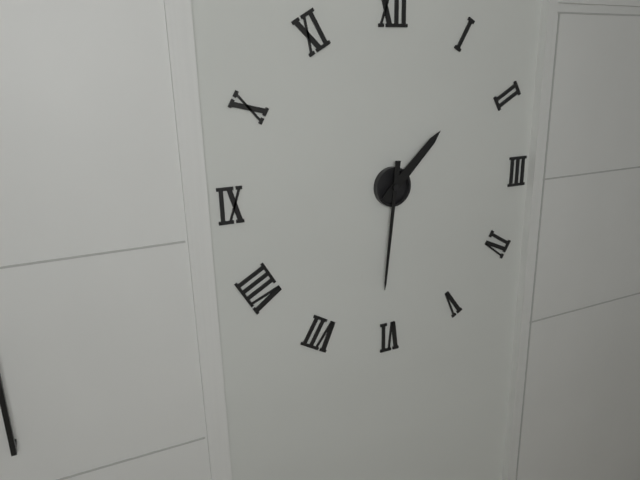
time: **1:31**
